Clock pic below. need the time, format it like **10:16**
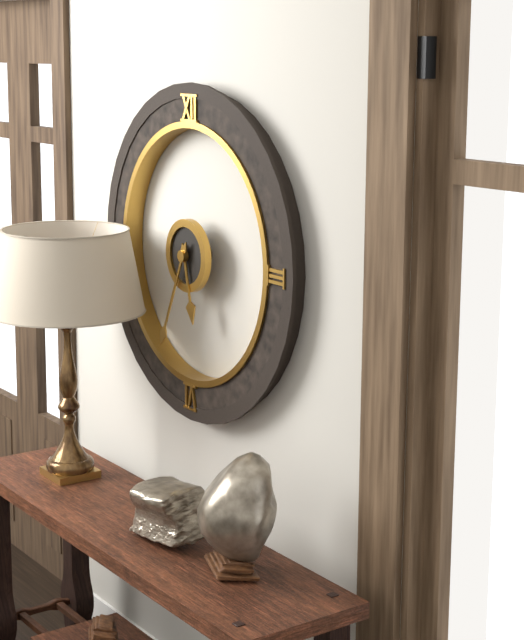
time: **5:34**
